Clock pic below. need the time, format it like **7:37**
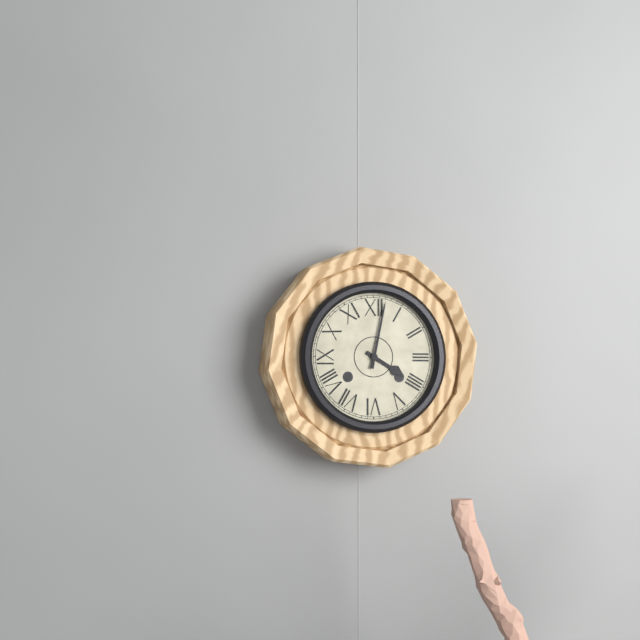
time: **4:02**
